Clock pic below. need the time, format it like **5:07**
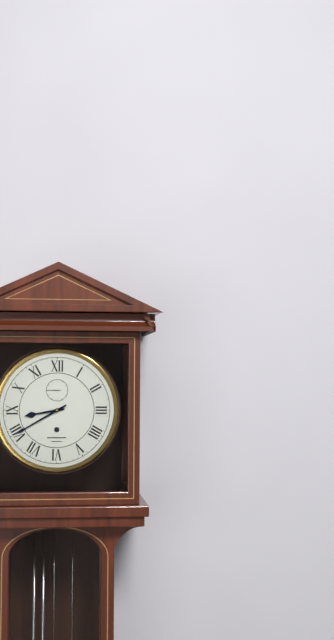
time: **8:40**
